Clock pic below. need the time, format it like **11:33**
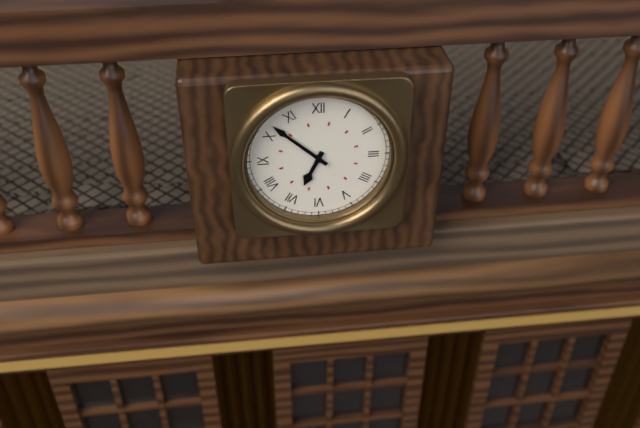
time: **6:52**
